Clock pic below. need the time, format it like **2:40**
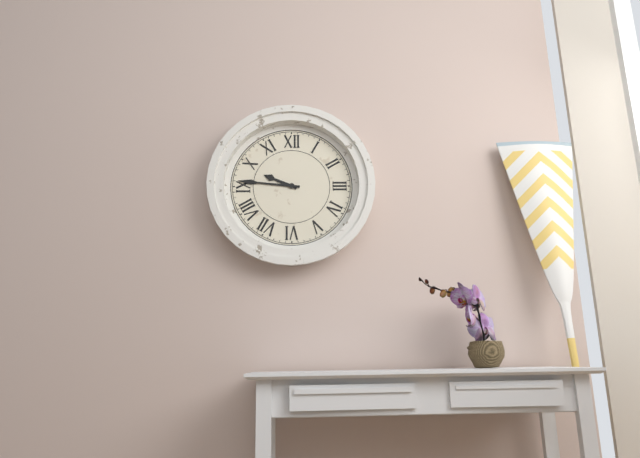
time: **9:46**
